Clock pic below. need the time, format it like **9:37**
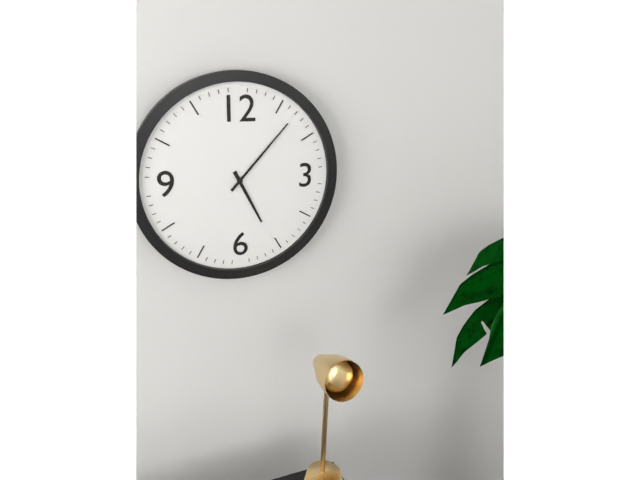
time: **5:07**
